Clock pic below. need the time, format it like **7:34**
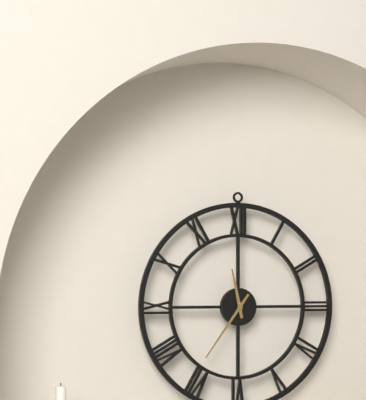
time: **11:36**
